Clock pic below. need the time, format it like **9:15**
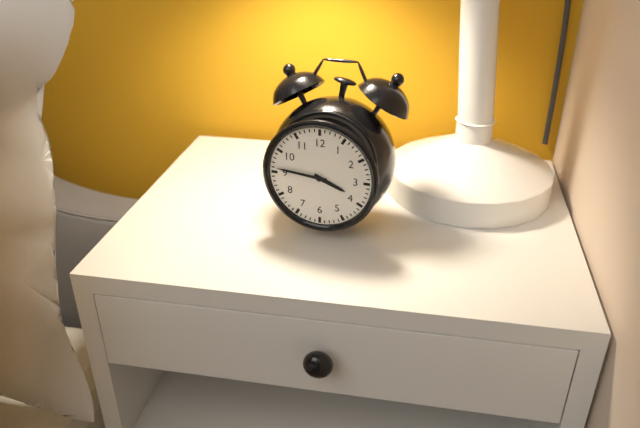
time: **3:46**
